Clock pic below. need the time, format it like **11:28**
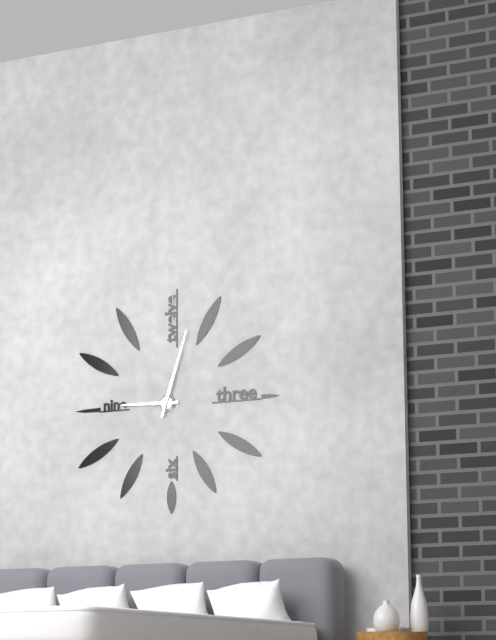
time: **9:03**
